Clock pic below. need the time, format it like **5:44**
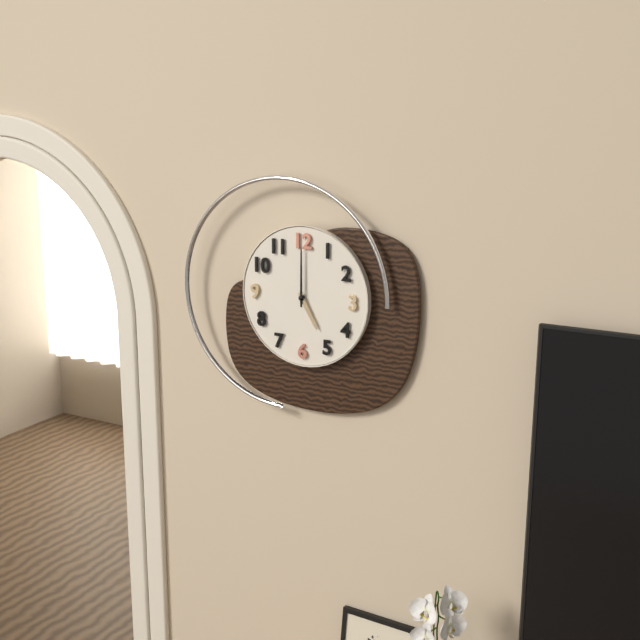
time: **5:00**
